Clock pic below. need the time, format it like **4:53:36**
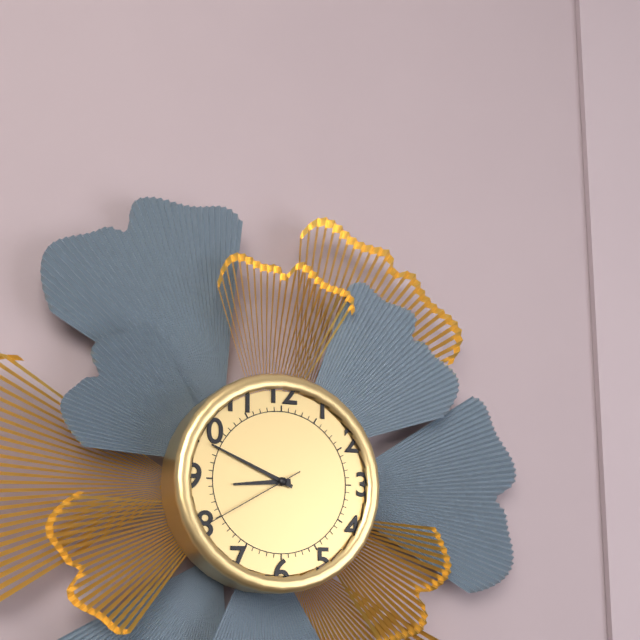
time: **8:49:40**
